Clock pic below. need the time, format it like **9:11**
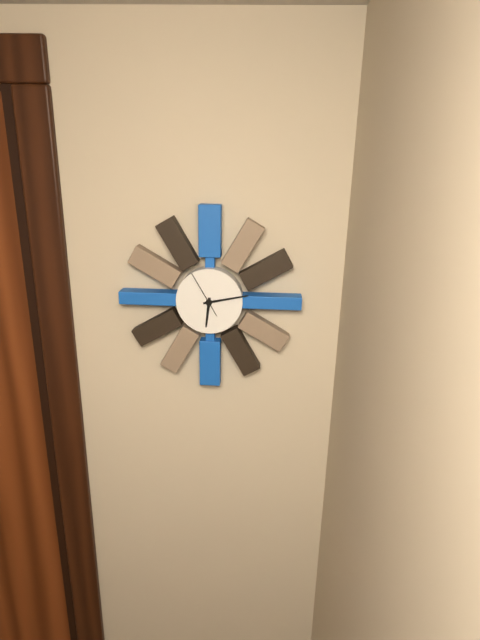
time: **6:13**
